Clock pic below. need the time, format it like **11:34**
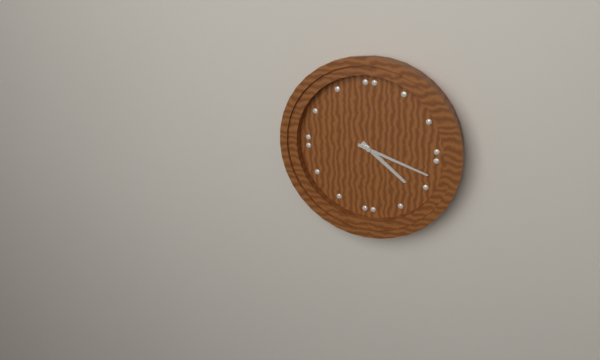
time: **4:18**
